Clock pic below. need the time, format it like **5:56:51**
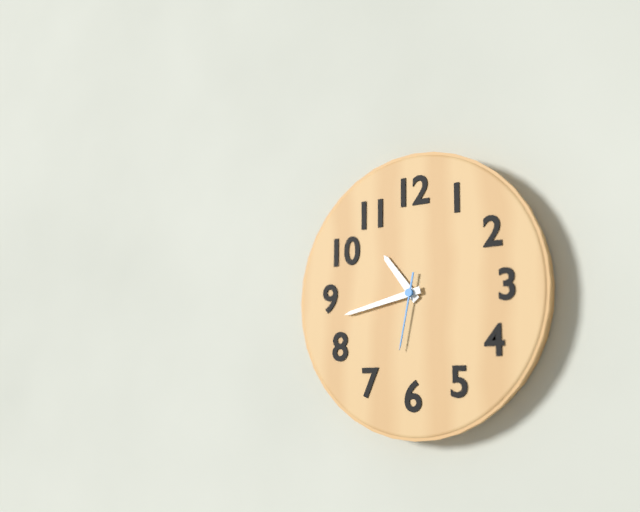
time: **10:43:32**
